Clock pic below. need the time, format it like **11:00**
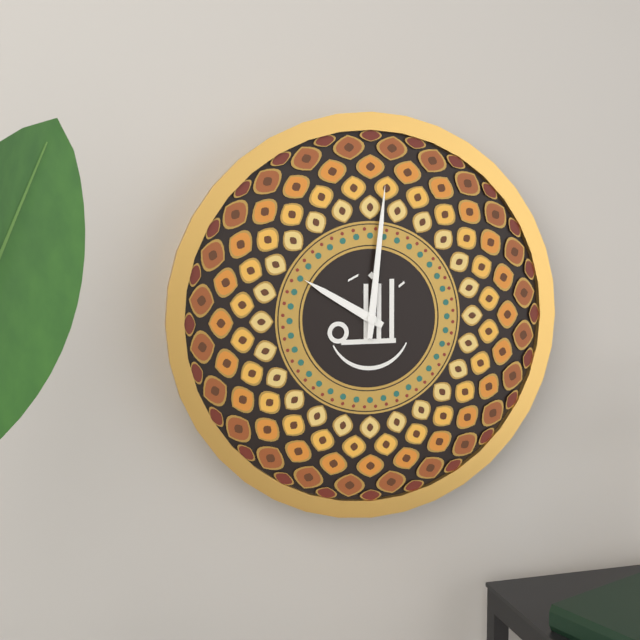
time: **10:01**
